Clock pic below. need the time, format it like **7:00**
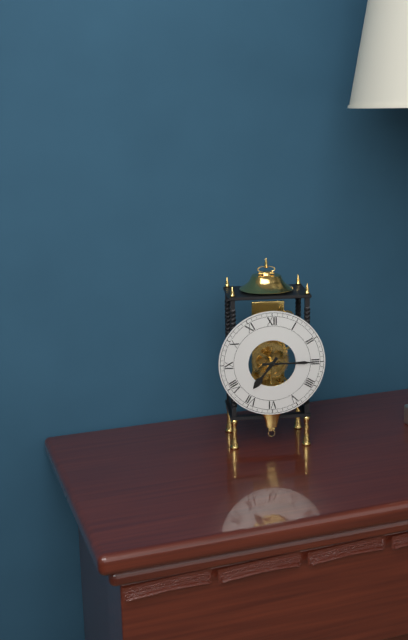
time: **7:15**
